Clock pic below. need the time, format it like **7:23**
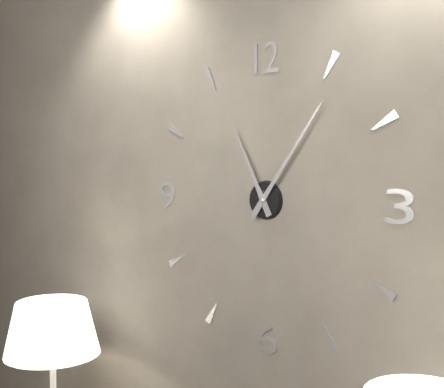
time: **11:06**
